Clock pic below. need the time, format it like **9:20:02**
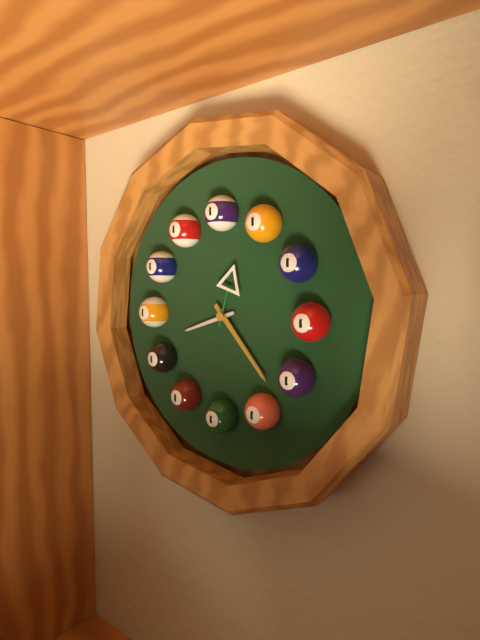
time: **8:23:03**
